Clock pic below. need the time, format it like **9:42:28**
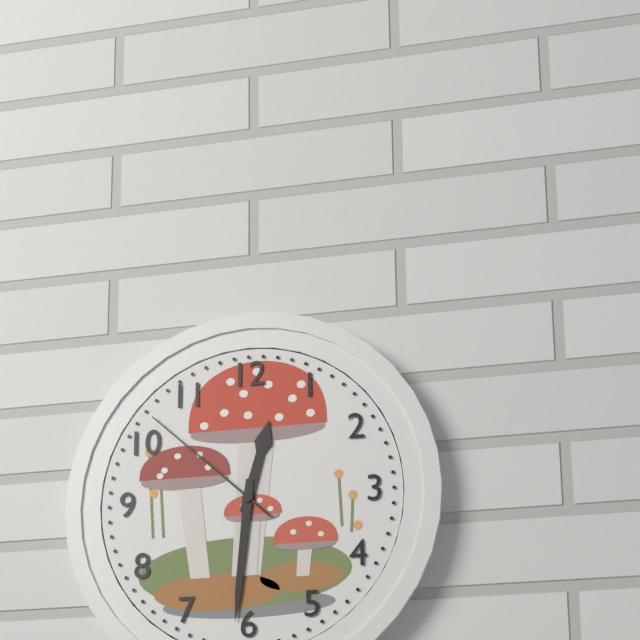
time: **12:31:52**
